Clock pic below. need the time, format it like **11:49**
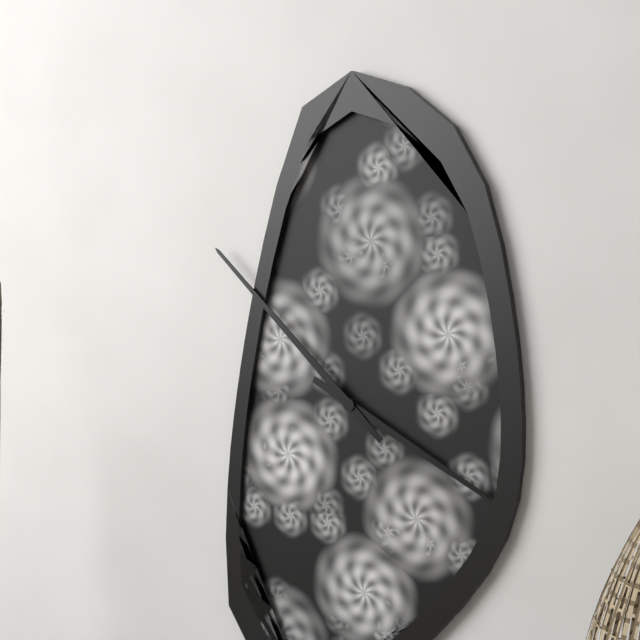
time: **3:52**
